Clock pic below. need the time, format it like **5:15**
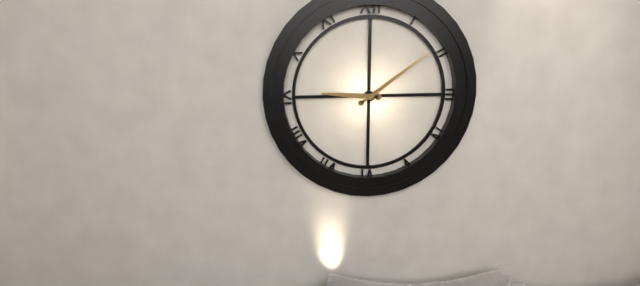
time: **9:09**
